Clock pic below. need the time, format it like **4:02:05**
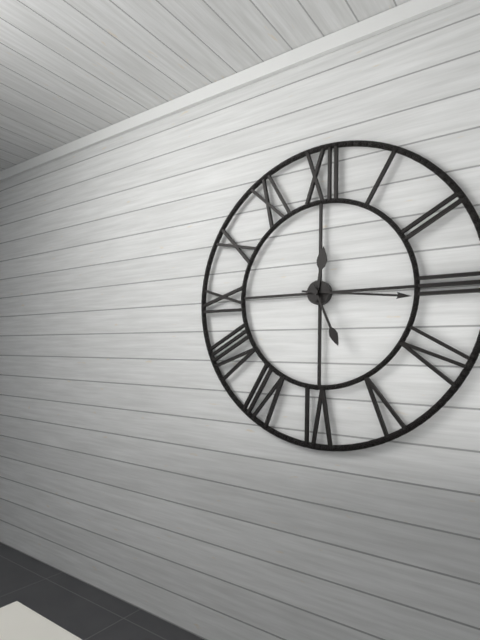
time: **12:16:26**
